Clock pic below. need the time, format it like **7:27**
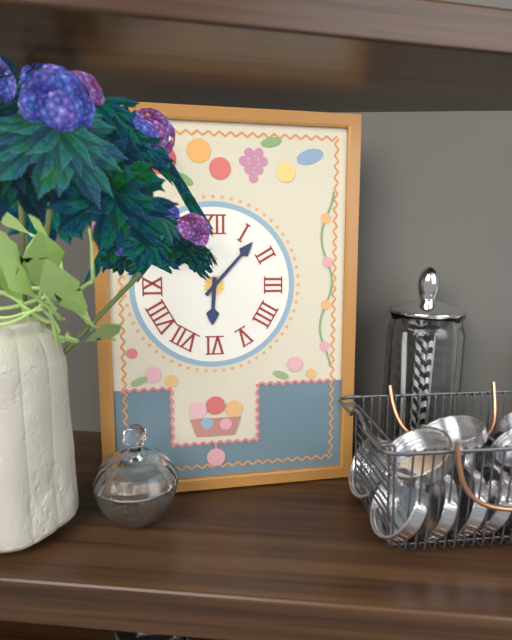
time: **6:07**
